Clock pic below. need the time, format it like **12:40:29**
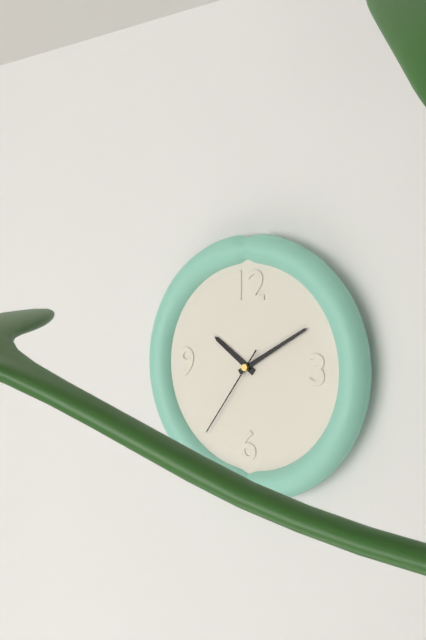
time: **10:10:36**
